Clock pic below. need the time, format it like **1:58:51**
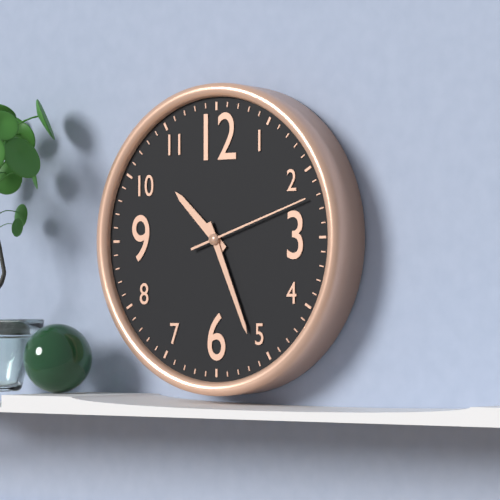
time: **10:26:12**
